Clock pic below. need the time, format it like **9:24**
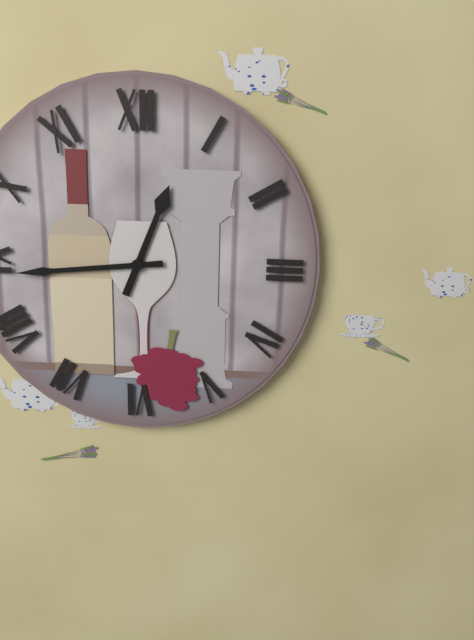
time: **12:44**
